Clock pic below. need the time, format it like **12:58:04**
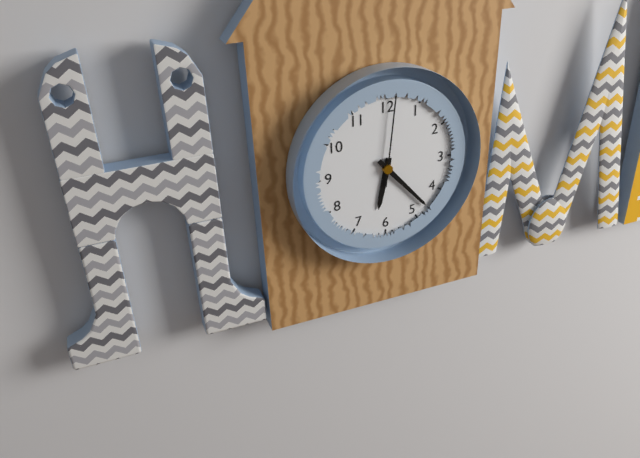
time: **6:23:01**
